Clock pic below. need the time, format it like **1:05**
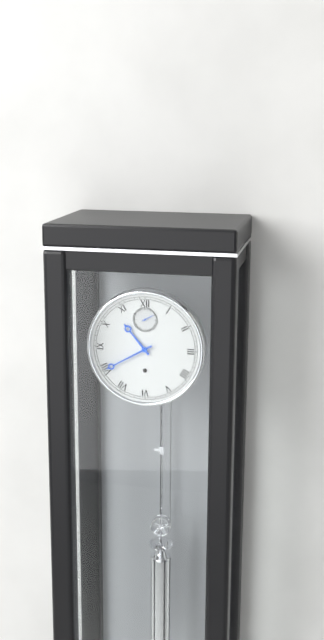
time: **10:40**
